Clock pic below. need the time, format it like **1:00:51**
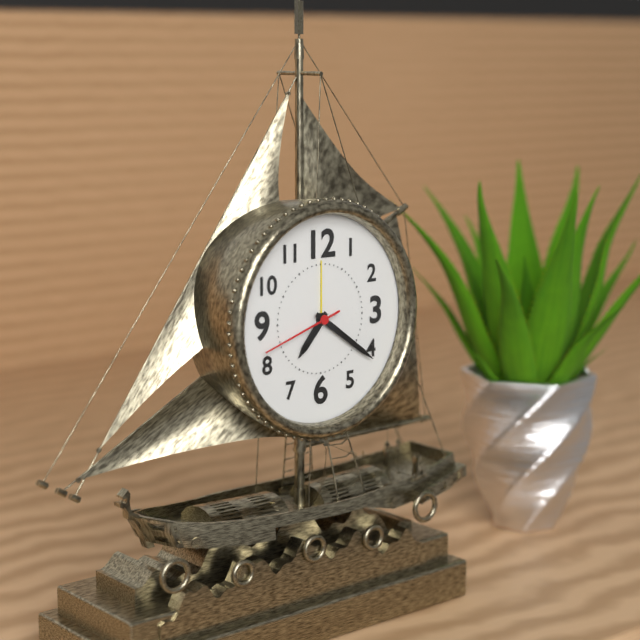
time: **7:21:42**
